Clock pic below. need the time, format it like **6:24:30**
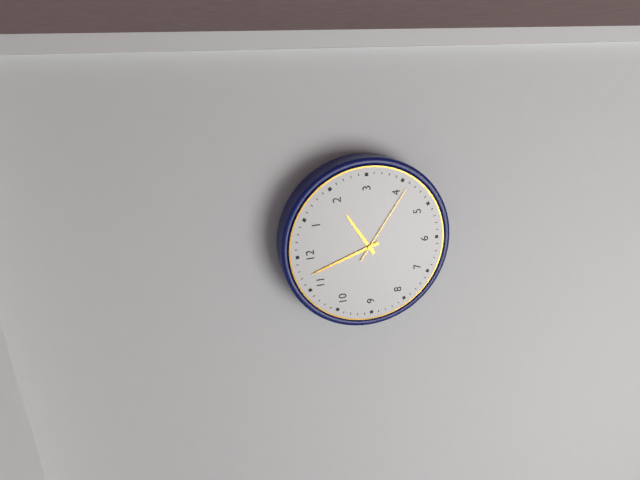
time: **1:57:21**
